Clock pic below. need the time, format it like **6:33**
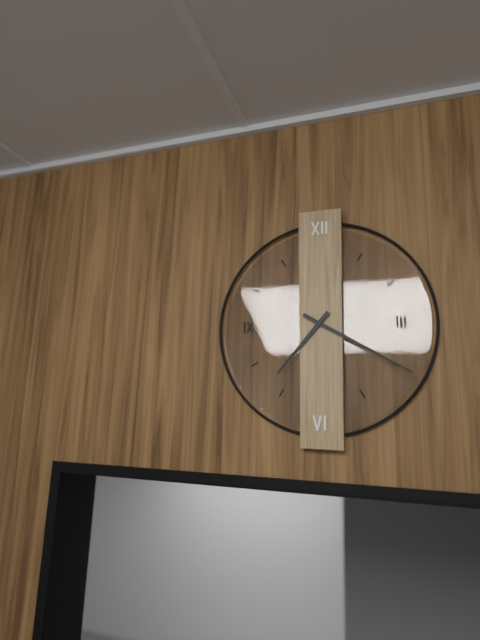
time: **7:20**
